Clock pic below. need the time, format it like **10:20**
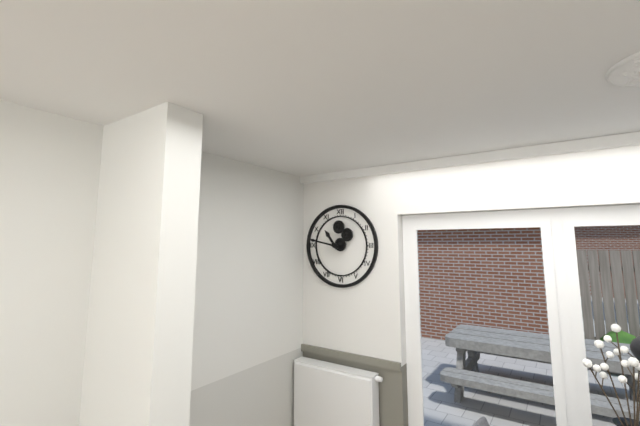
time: **10:47**
